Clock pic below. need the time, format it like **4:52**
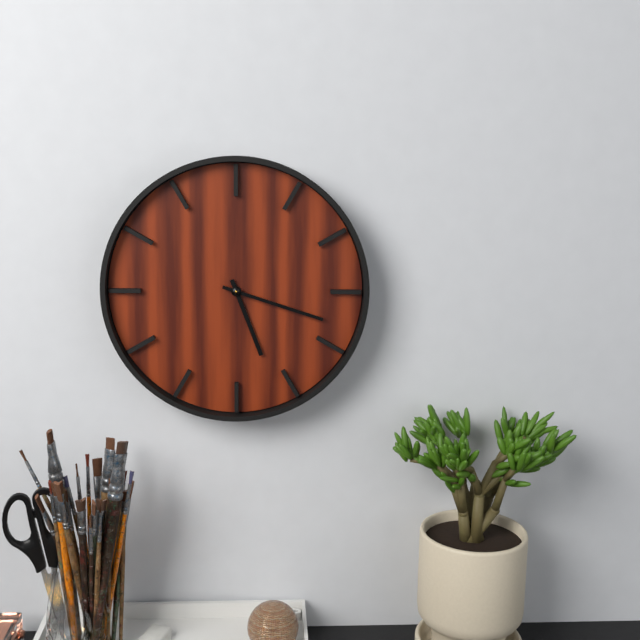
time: **5:18**
